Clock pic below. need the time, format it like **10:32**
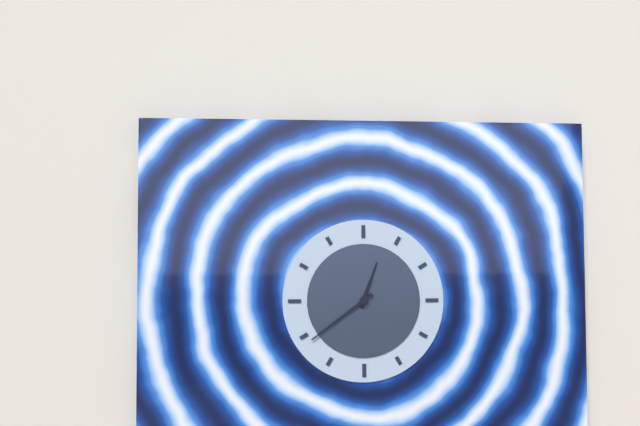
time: **12:39**
